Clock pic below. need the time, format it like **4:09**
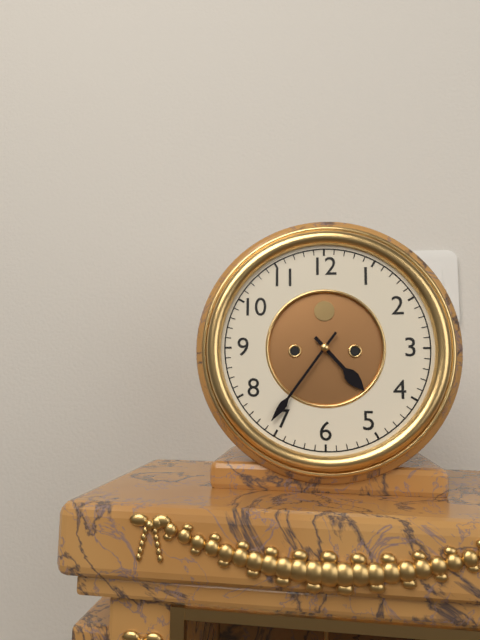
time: **4:36**
